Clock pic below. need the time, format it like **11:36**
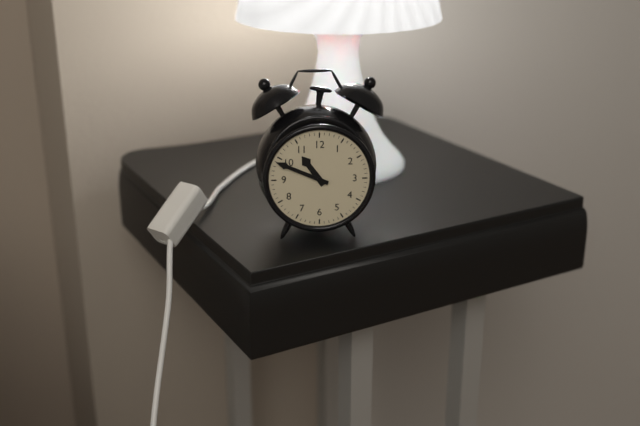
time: **10:49**
